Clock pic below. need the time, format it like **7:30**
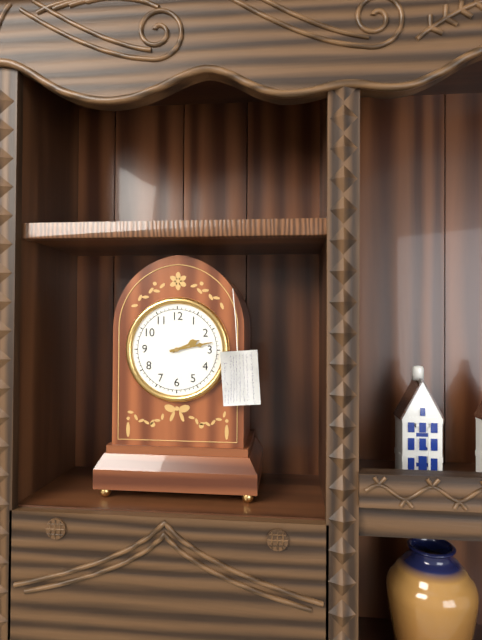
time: **2:13**
